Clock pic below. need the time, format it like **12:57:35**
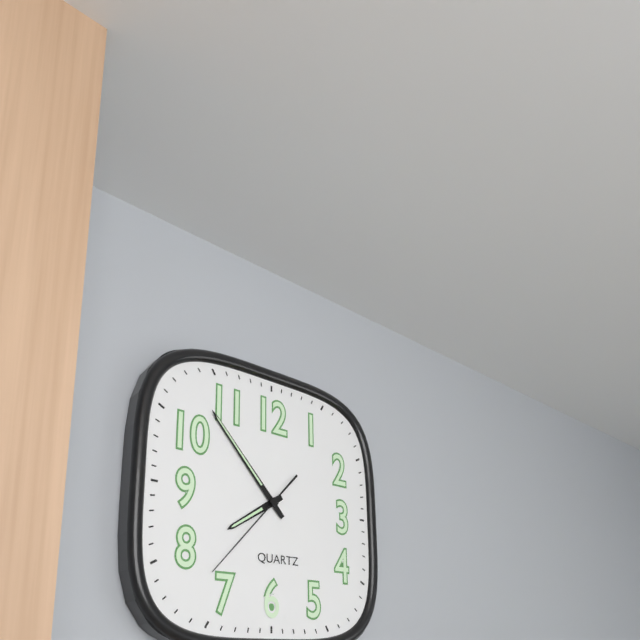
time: **7:53:37**
